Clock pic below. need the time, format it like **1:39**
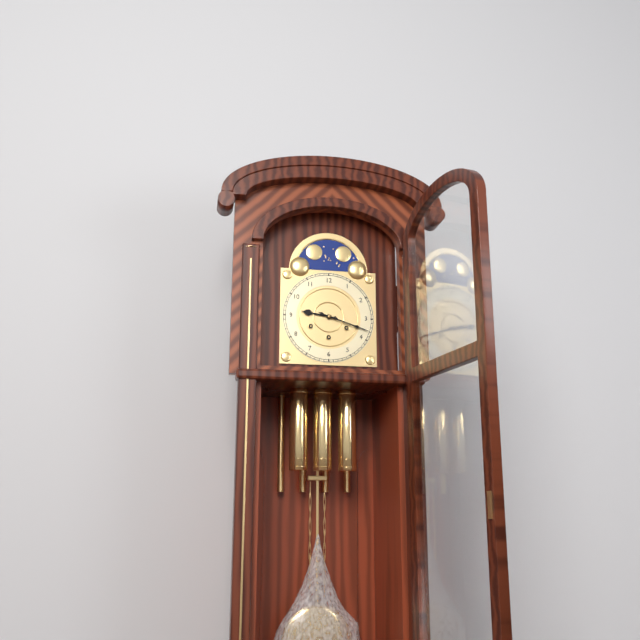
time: **9:18**
